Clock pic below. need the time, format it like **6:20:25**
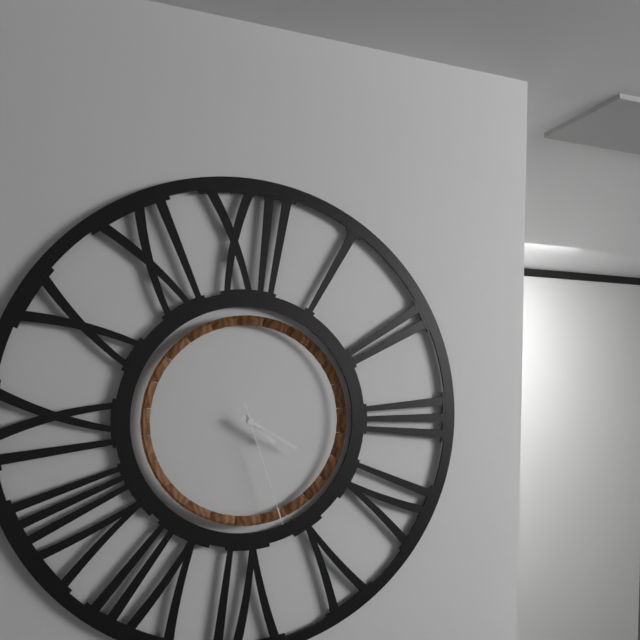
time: **4:20:27**
